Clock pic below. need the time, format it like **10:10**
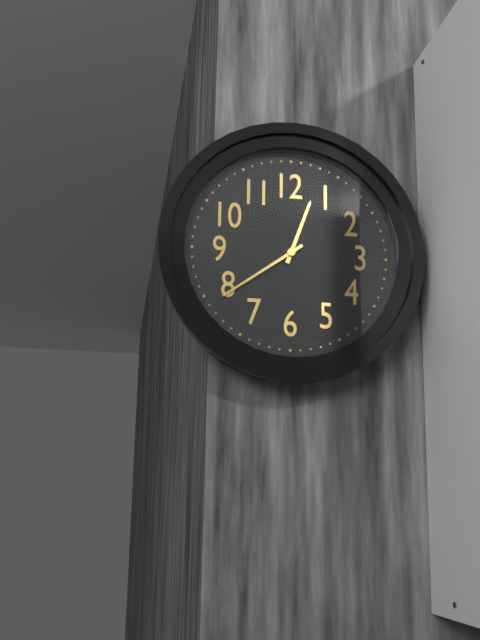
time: **12:39**
